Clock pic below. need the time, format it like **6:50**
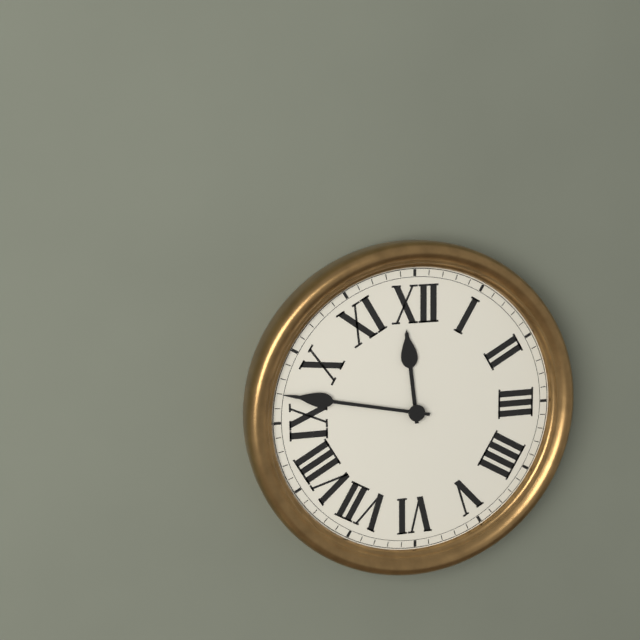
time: **11:47**
